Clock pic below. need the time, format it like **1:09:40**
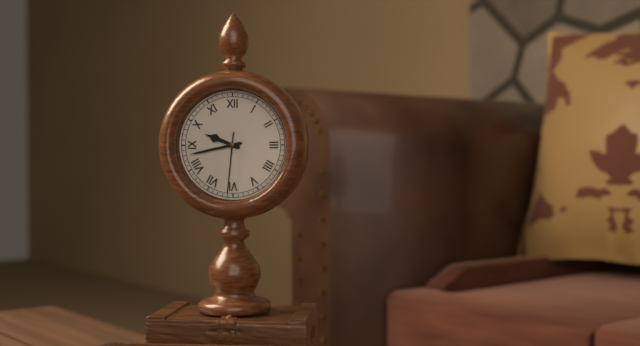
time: **9:43:31**
